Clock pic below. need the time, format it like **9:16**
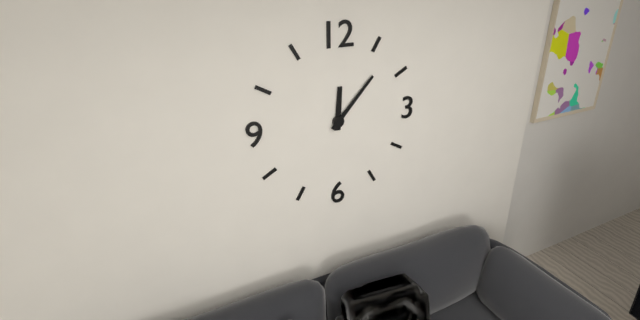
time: **12:07**
